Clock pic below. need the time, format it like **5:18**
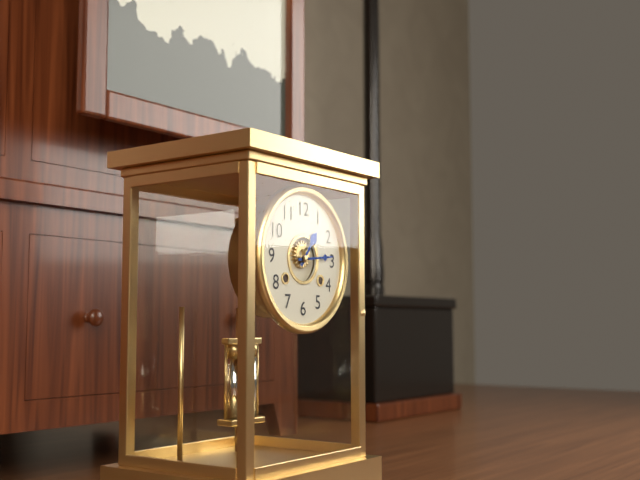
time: **1:14**
